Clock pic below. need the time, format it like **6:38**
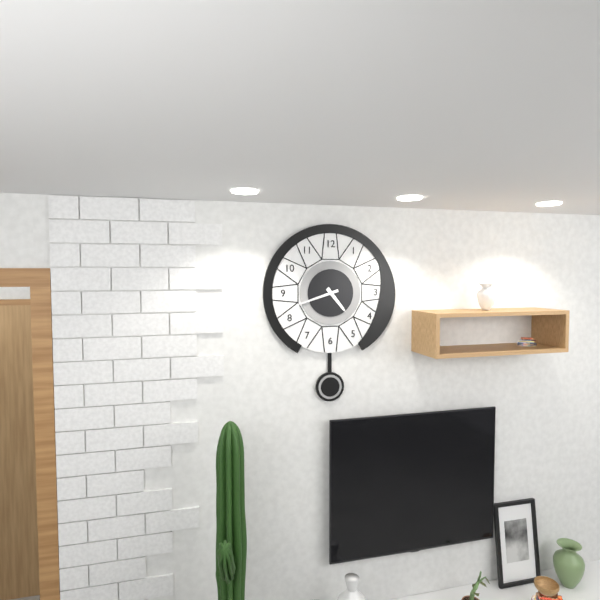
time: **4:42**
